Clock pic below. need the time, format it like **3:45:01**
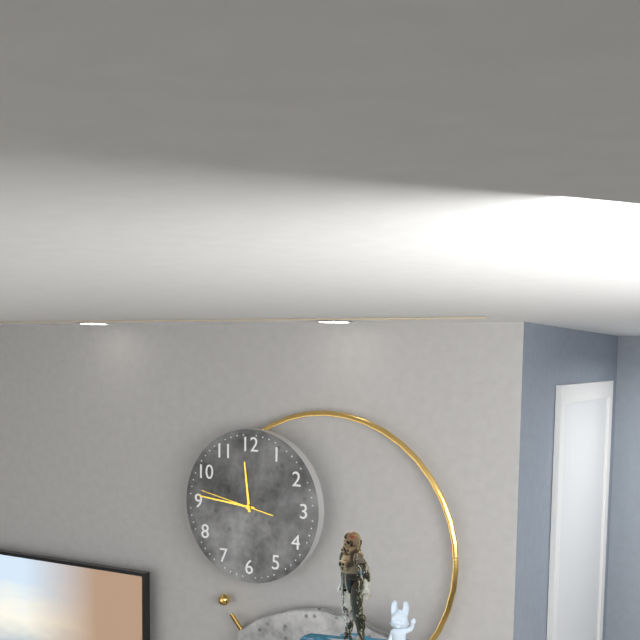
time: **11:46:47**
